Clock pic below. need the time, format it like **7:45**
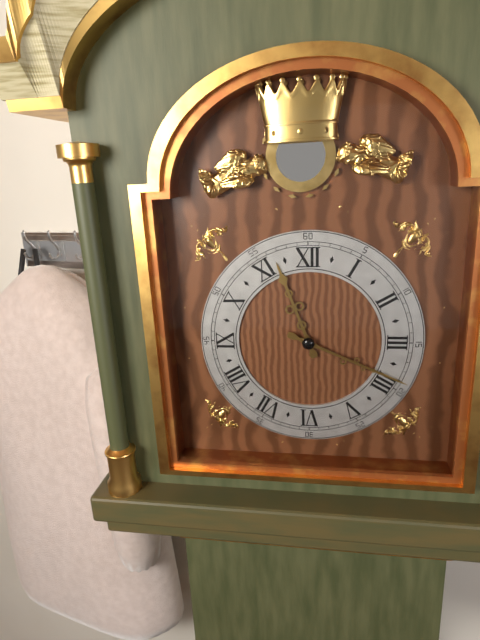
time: **11:19**
